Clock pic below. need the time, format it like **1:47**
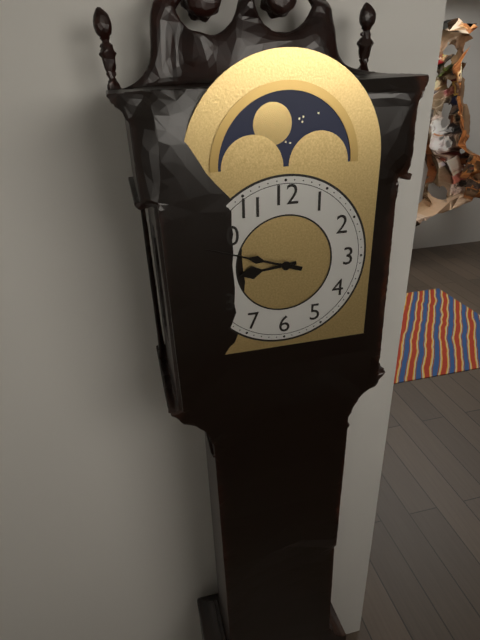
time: **8:48**
